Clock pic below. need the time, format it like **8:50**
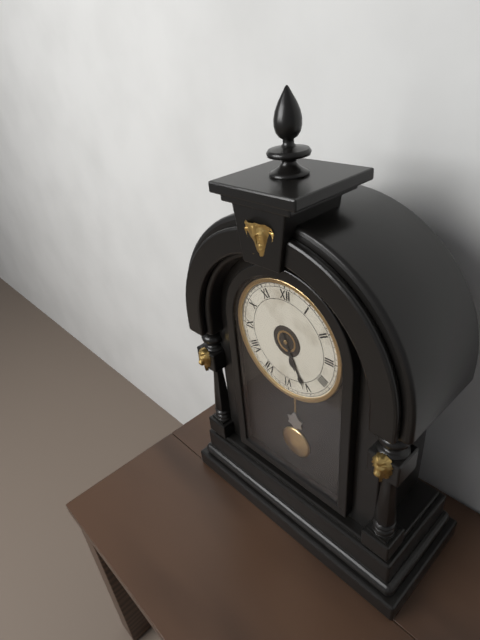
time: **5:26**
